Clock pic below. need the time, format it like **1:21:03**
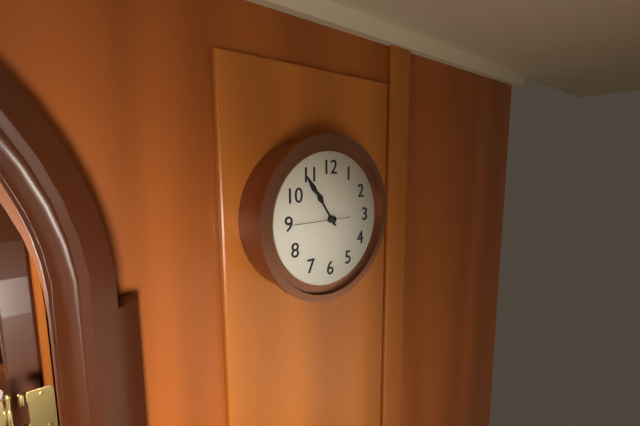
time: **10:54:45**
